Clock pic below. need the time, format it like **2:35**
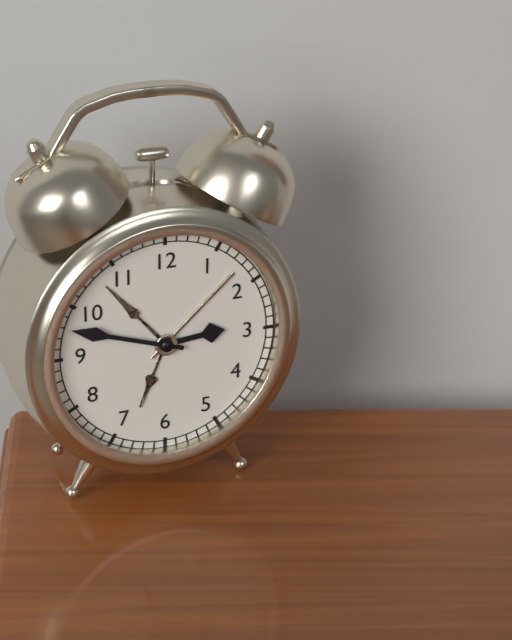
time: **2:48**
